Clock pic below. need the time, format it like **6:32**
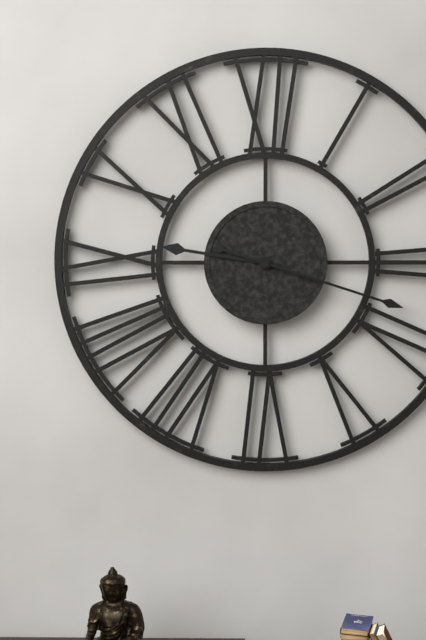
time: **9:18**
